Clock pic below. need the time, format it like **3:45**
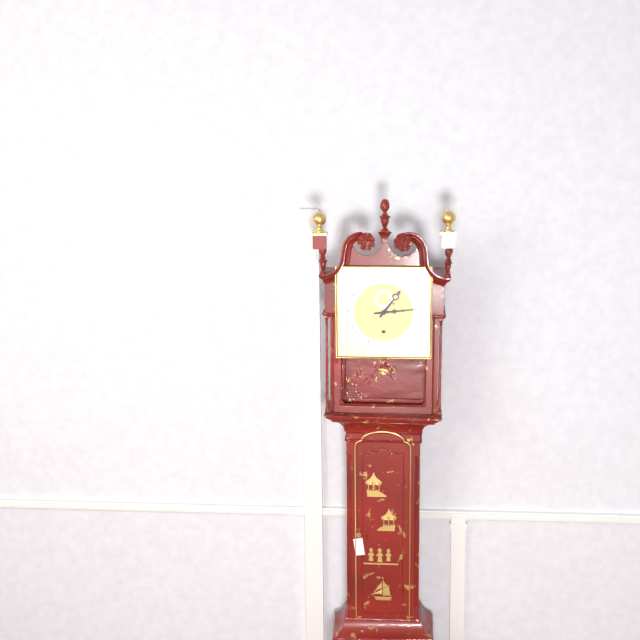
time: **1:14**
